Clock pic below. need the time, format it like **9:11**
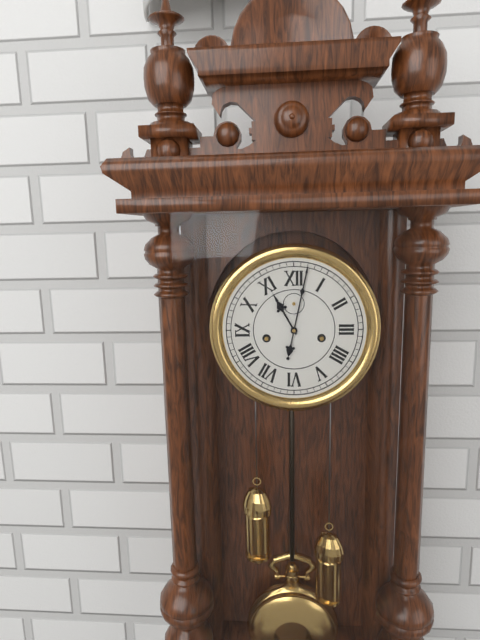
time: **11:02**
